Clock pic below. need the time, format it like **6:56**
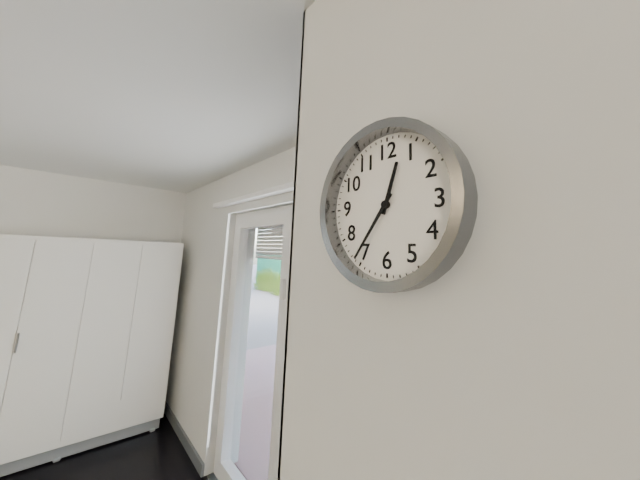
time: **12:36**
